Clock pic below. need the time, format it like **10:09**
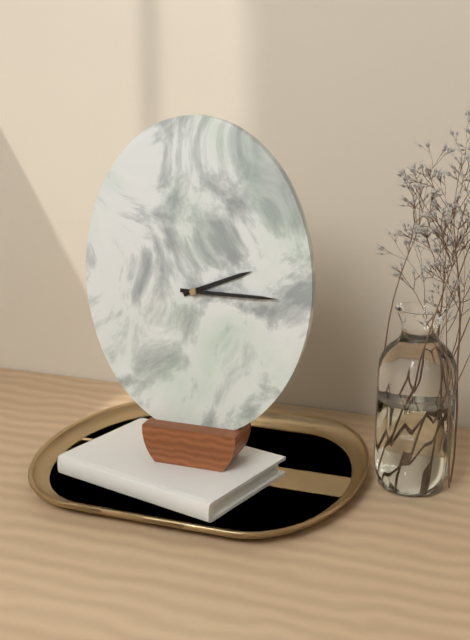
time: **2:15**
